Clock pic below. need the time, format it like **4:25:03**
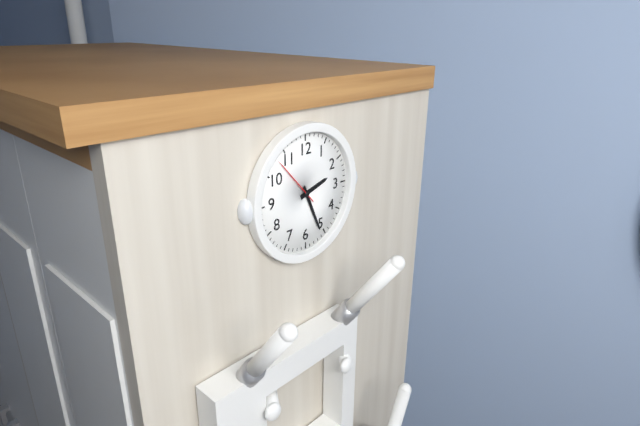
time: **2:26:53**
